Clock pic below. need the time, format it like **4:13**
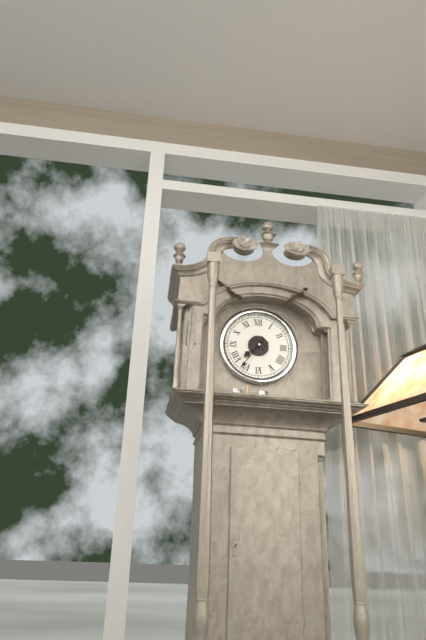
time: **7:36**
